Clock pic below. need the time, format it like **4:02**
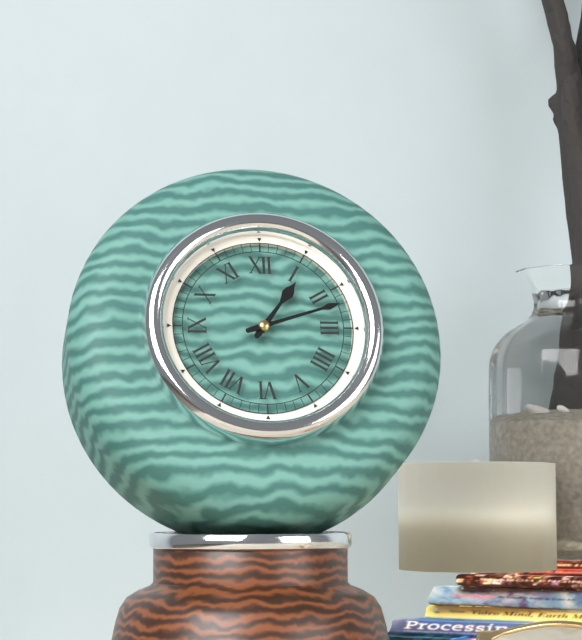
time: **1:12**
